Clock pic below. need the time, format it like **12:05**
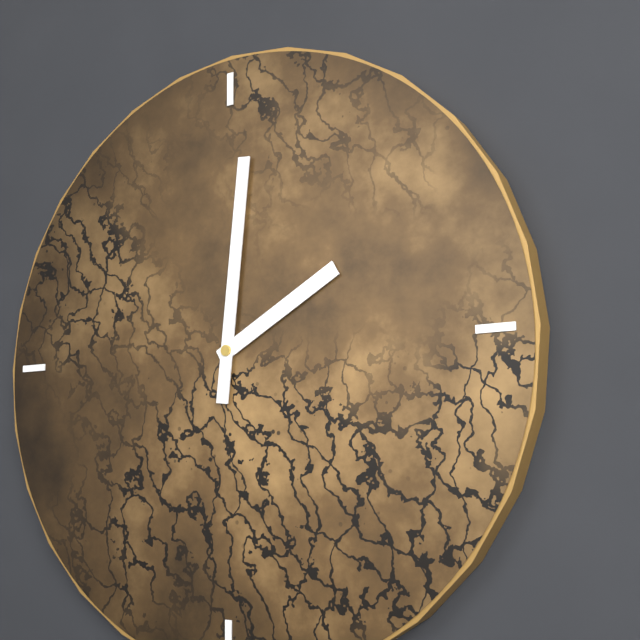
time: **2:01**
